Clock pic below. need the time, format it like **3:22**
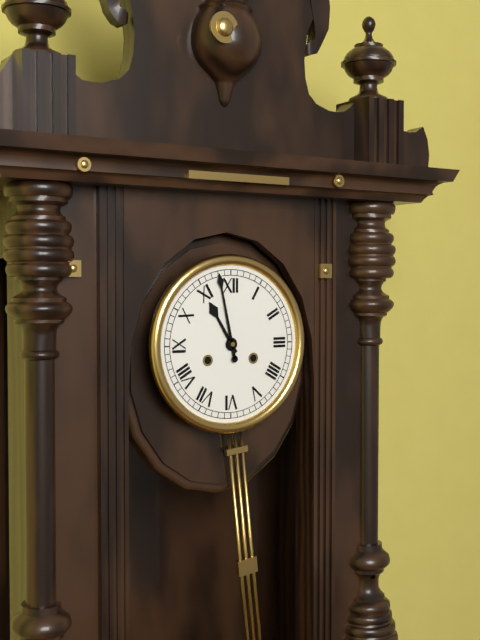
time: **10:58**
